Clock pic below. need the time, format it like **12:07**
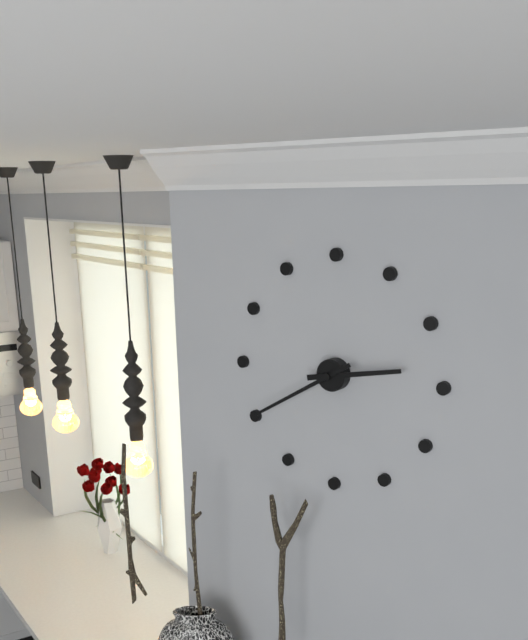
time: **2:40**
